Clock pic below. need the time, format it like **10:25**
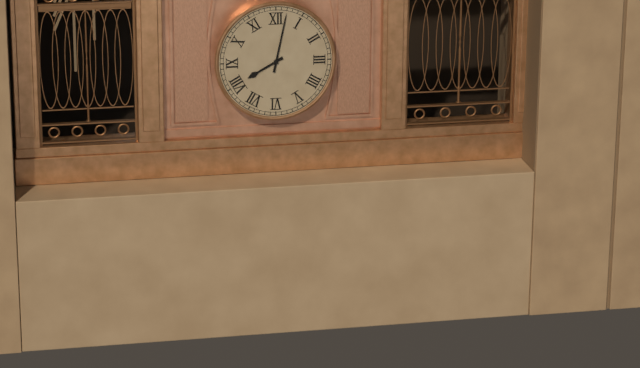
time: **8:02**
